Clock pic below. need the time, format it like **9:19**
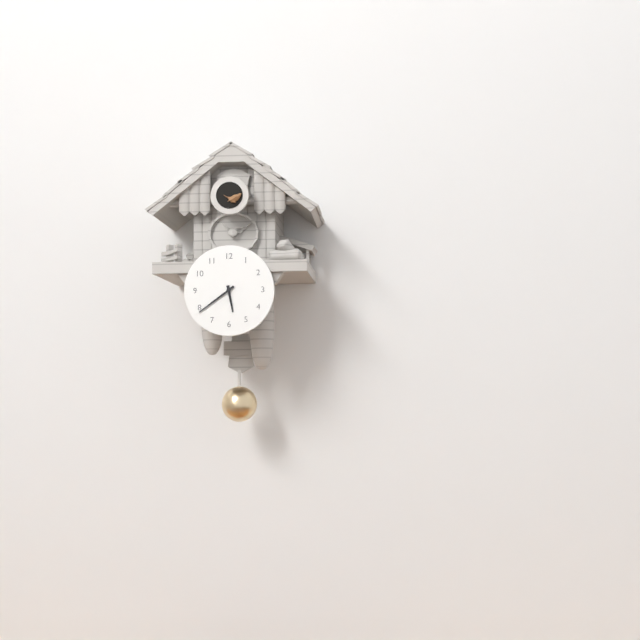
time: **5:39**
